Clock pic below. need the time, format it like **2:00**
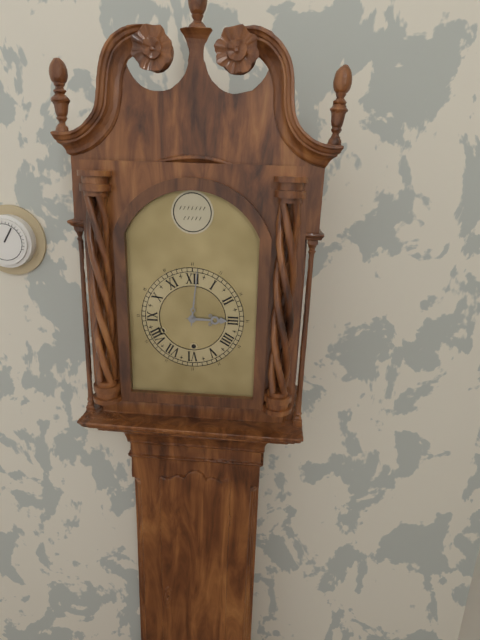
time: **3:01**
